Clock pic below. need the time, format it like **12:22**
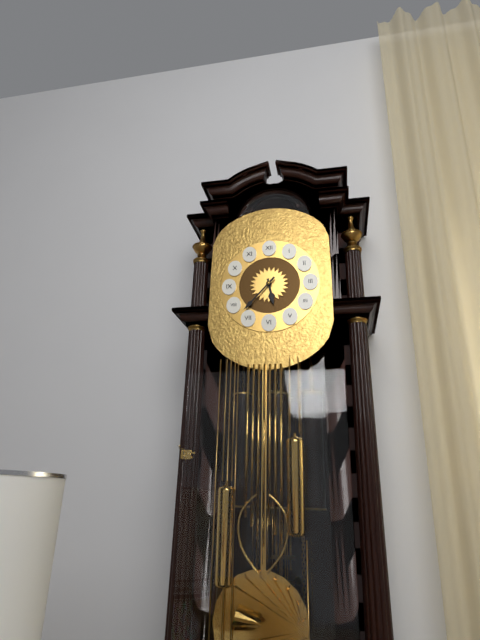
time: **5:37**
